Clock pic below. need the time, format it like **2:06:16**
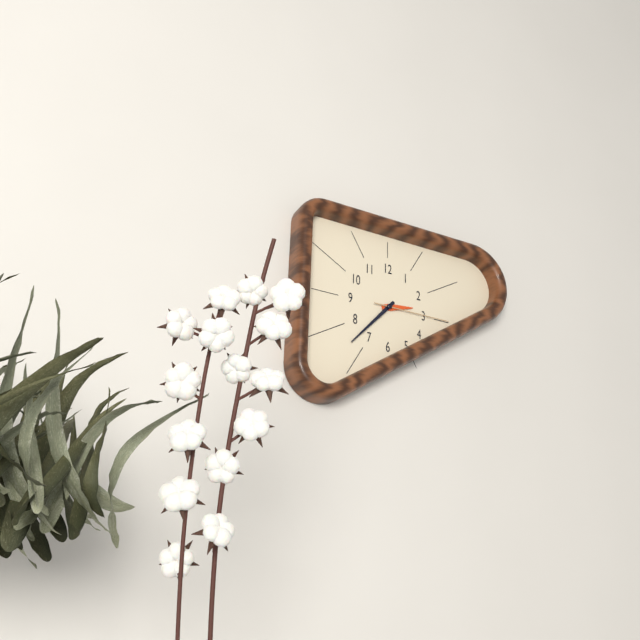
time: **2:37:15**
